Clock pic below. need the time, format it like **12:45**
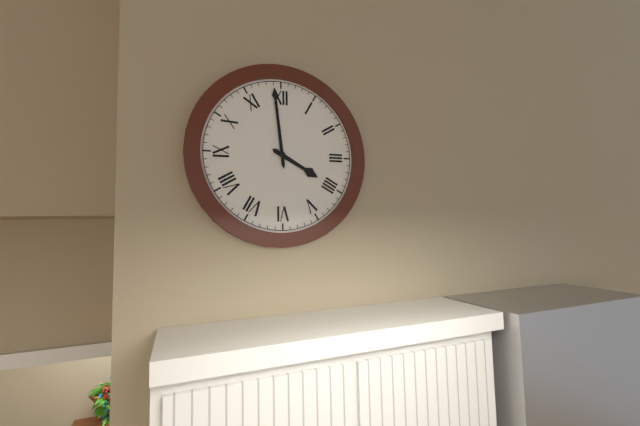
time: **3:59**
